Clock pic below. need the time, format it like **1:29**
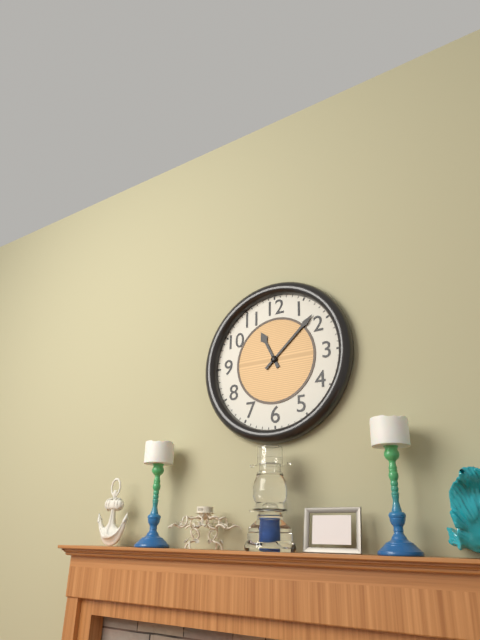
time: **11:08**
